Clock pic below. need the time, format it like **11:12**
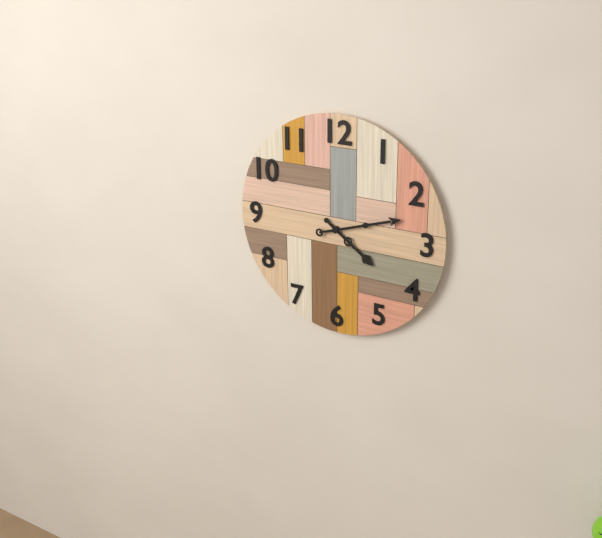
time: **4:12**
